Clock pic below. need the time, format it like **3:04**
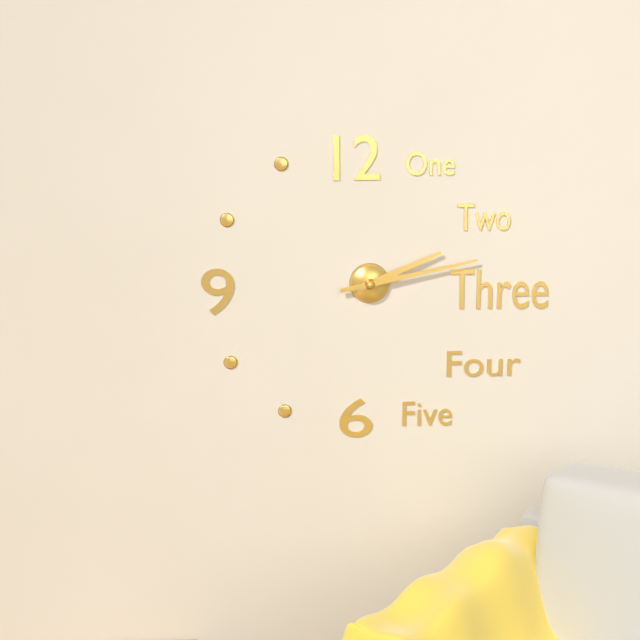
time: **2:13**
